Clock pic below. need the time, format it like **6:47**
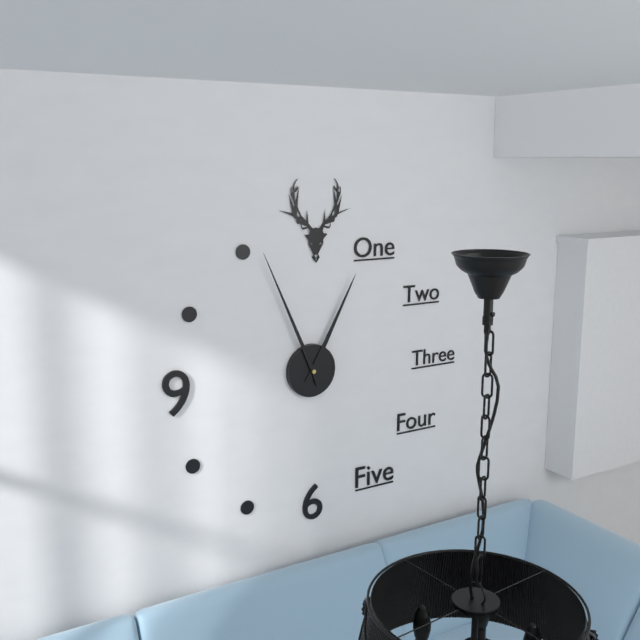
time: **12:56**
